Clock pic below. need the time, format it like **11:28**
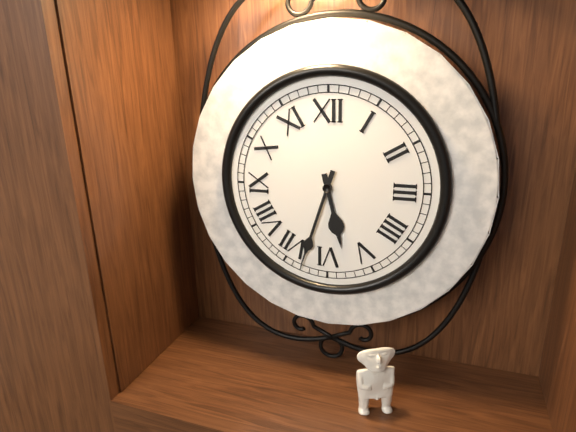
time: **5:33**
